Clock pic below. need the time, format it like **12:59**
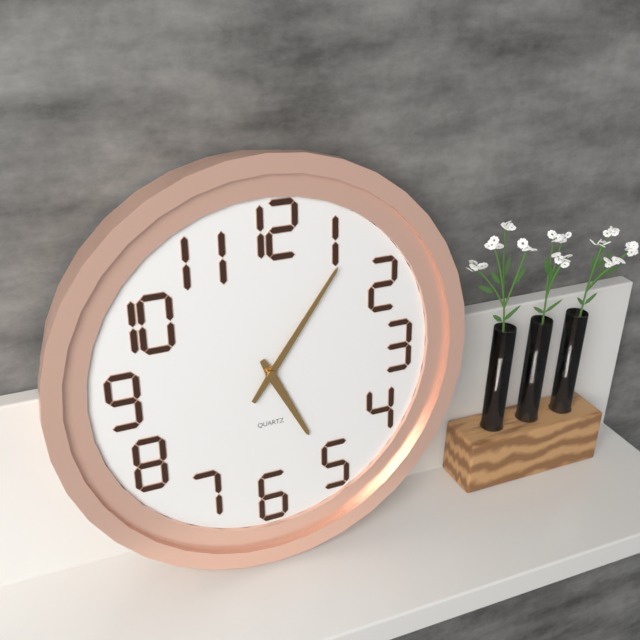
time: **5:06**
